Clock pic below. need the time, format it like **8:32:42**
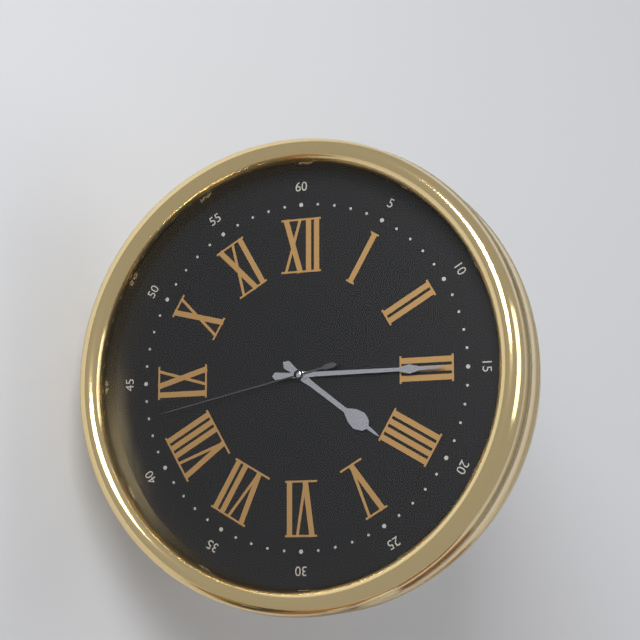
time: **4:15:43**
